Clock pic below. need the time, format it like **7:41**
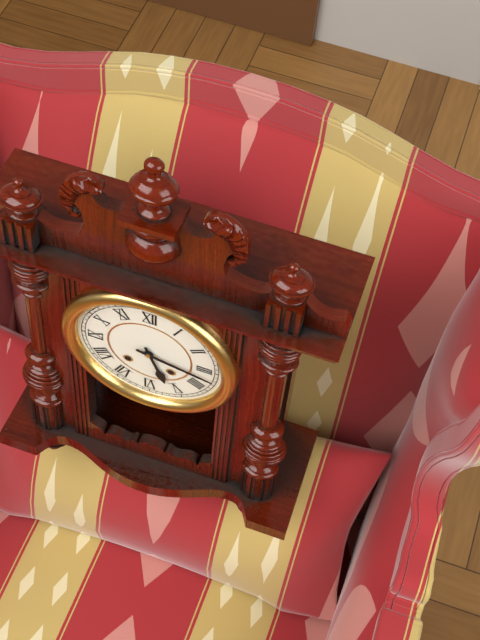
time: **5:17**
